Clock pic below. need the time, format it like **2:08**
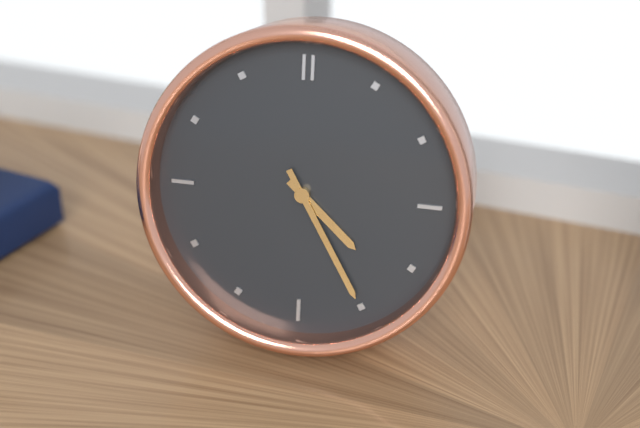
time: **4:25**
